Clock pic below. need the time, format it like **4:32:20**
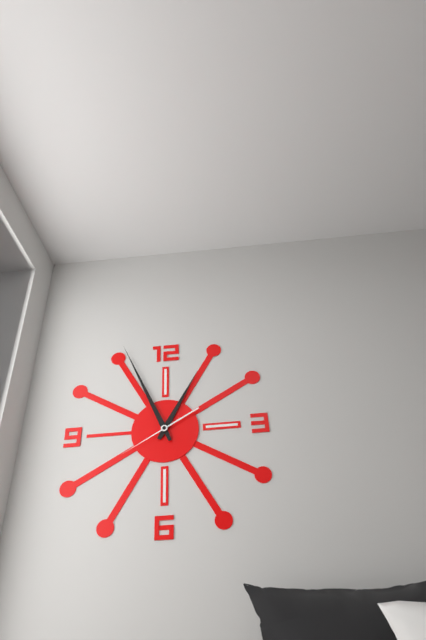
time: **12:56:40**
